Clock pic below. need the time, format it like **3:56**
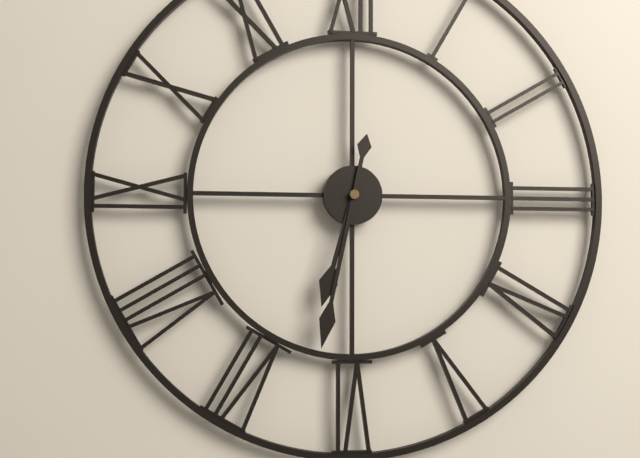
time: **6:32**
